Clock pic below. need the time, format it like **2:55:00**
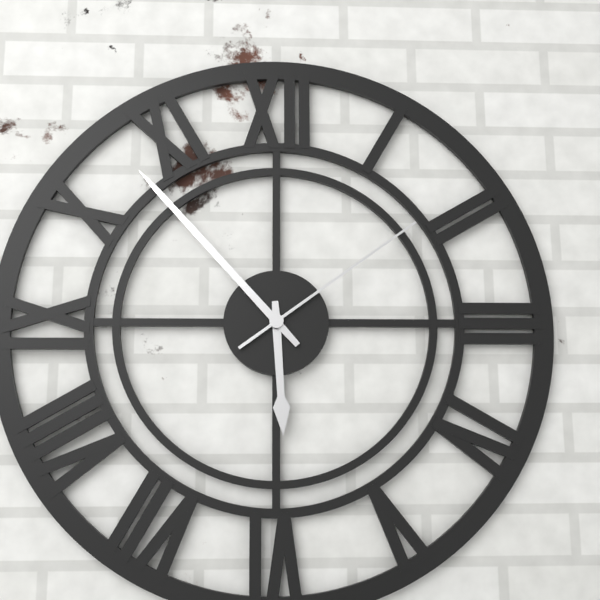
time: **5:53:09**
